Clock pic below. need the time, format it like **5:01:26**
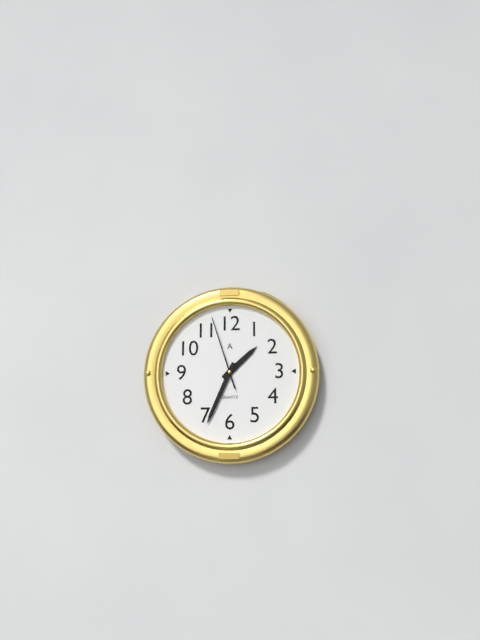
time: **1:34:57**
